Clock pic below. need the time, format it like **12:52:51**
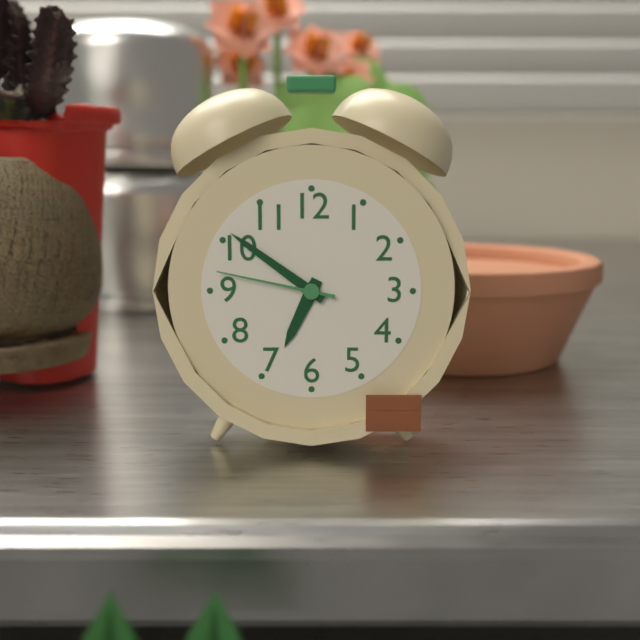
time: **6:51:47**
